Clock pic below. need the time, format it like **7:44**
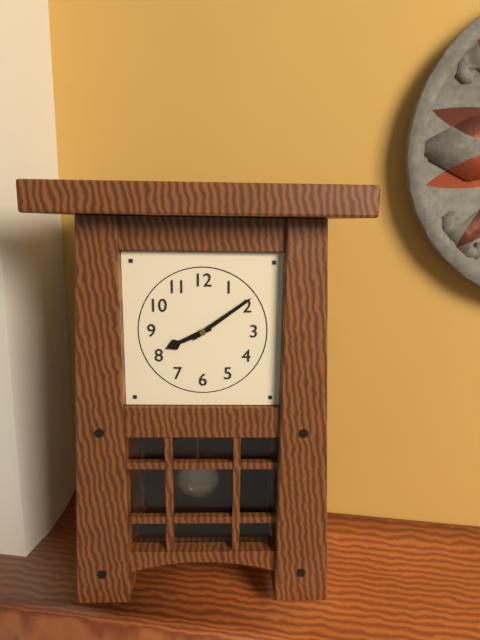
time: **8:09**
